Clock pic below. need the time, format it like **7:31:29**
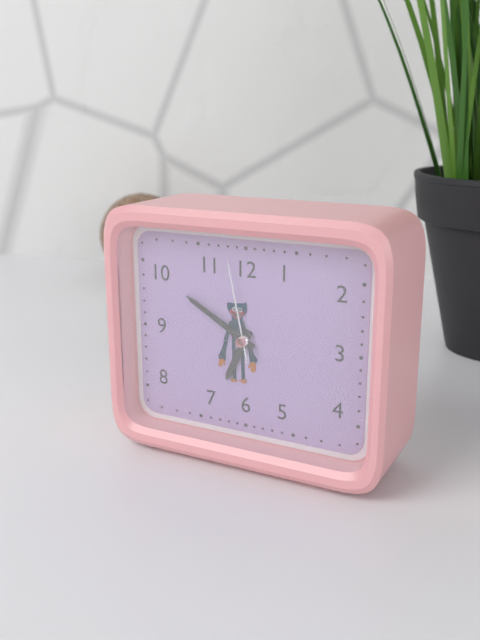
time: **6:50:58**
